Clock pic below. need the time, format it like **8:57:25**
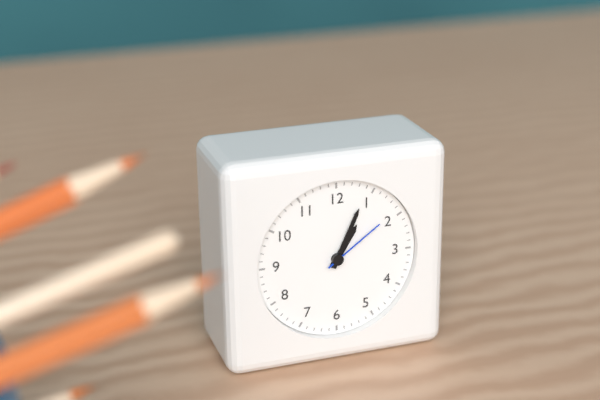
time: **1:04:09**
